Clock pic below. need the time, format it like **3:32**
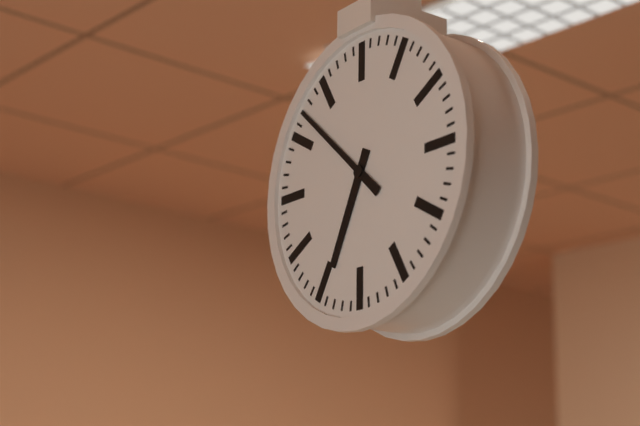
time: **6:52**
